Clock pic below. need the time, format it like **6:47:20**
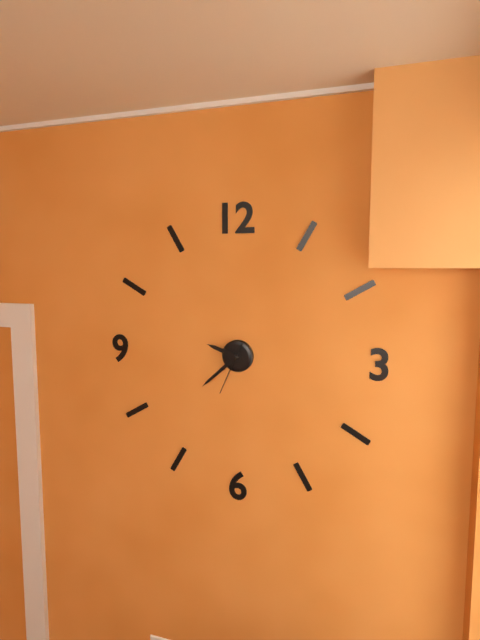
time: **9:38:34**
